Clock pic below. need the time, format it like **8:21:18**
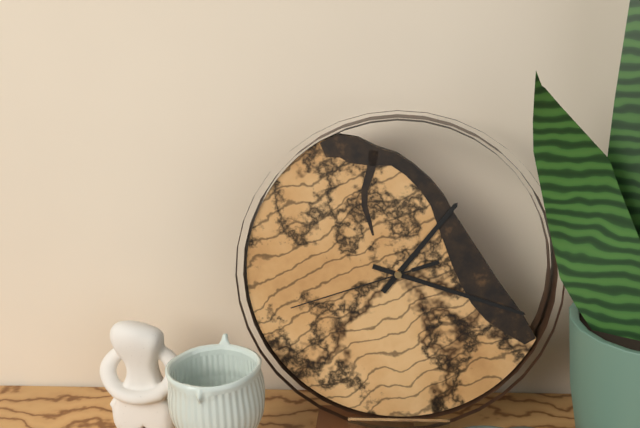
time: **1:18:42**
